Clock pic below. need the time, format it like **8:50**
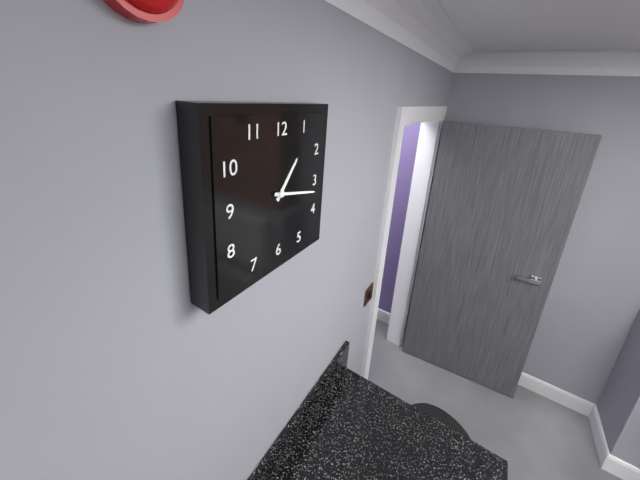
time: **1:17**
